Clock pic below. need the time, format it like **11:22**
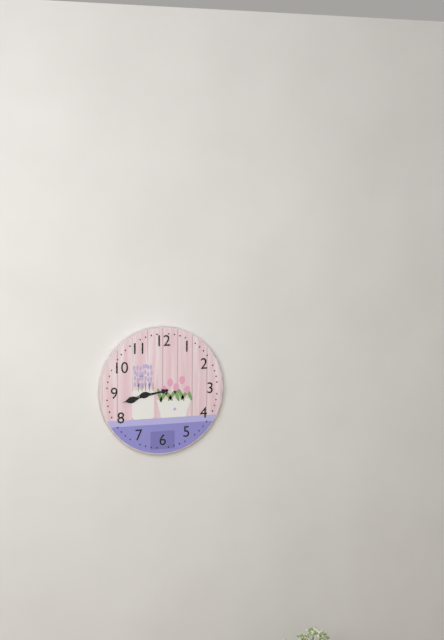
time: **8:43**
